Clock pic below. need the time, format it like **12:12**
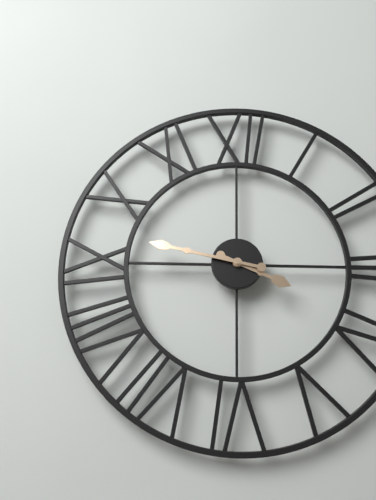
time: **3:47**
